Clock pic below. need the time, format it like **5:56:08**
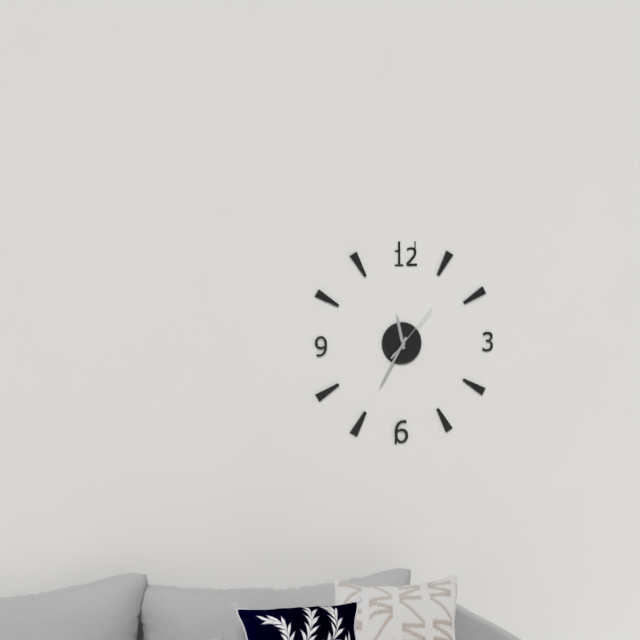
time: **11:35:07**
